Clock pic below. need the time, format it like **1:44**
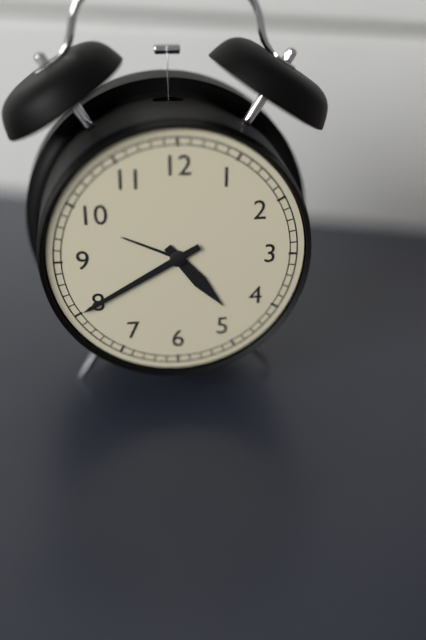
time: **4:40**
